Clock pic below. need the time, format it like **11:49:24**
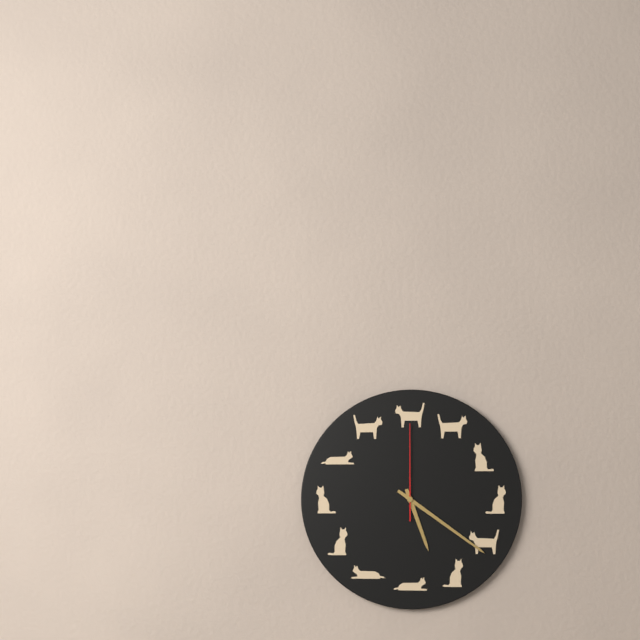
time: **5:21:00**
